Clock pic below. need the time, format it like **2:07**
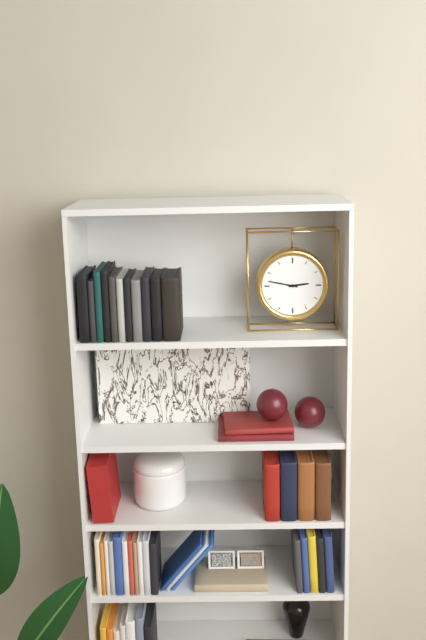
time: **2:47**
